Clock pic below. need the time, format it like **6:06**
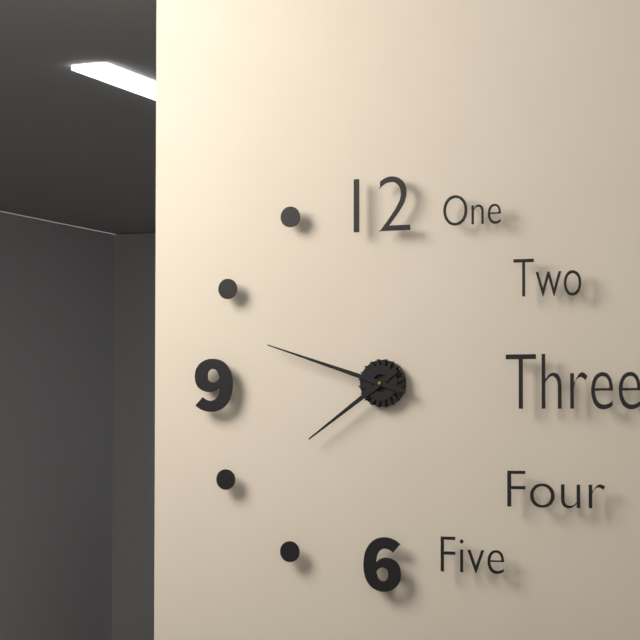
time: **7:48**
